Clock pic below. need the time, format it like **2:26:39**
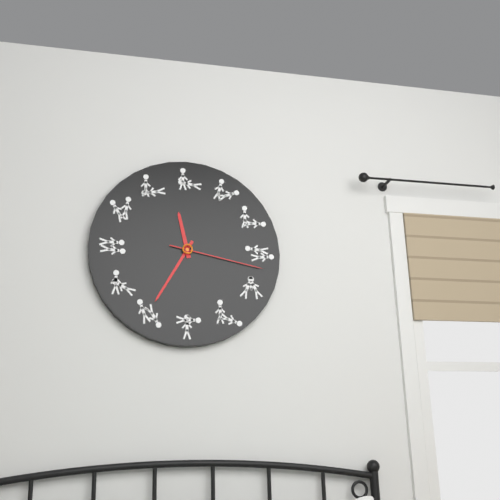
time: **11:35:17**
